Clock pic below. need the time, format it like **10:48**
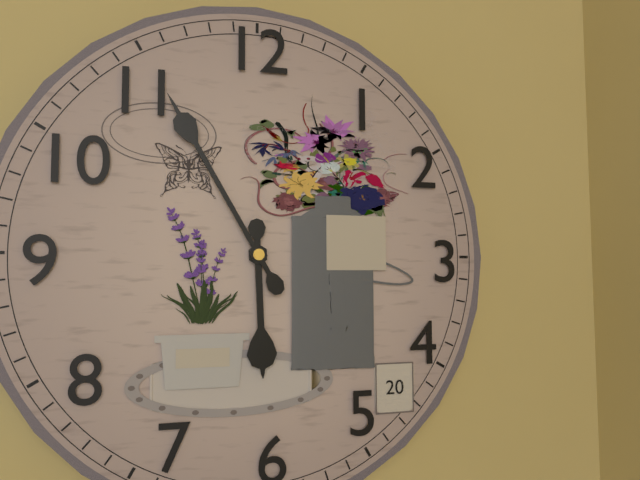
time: **5:55**
